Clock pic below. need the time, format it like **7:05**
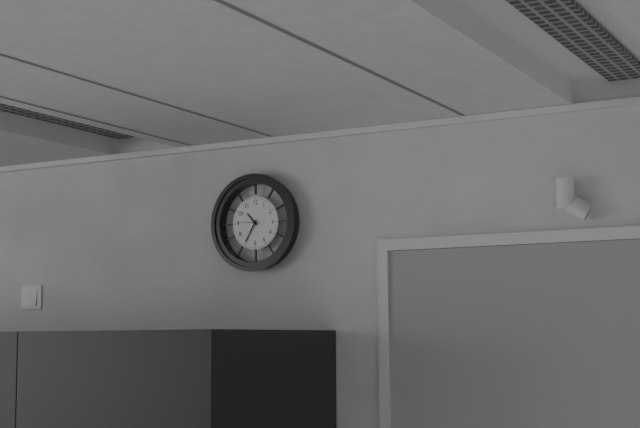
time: **10:35**
